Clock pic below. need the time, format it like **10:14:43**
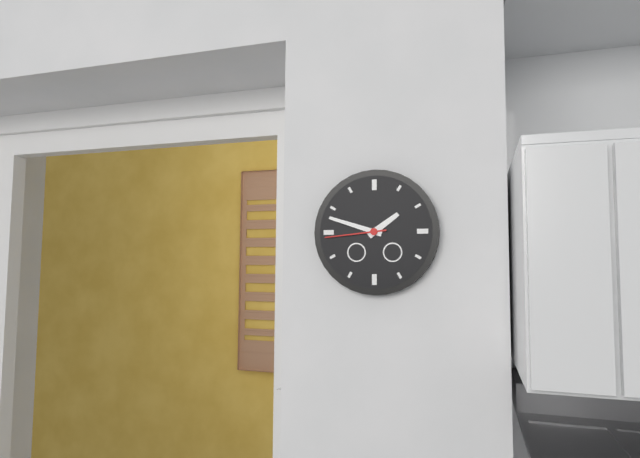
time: **1:48:44**
